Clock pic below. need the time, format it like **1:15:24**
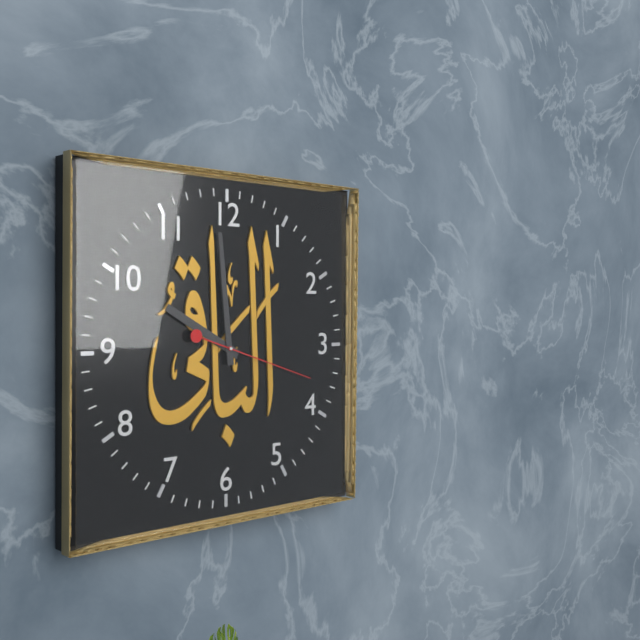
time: **9:59:18**
